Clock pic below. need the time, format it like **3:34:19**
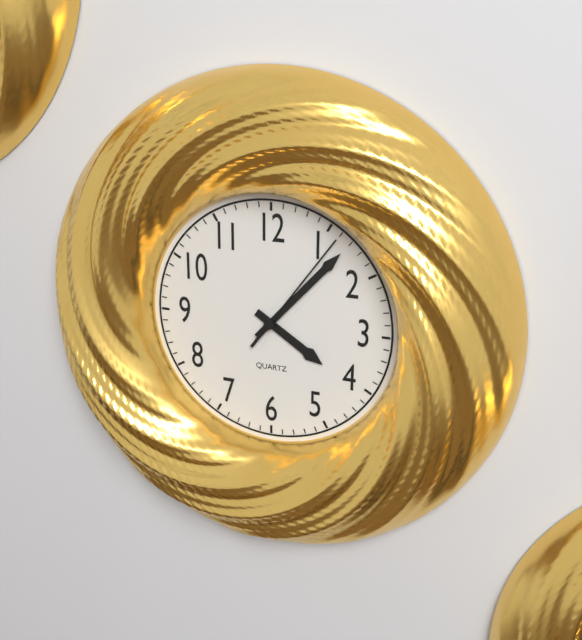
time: **4:07:06**
